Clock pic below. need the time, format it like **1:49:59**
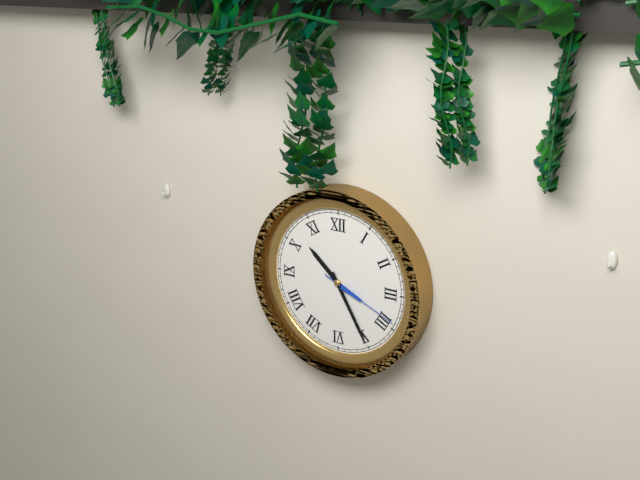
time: **10:25:19**
